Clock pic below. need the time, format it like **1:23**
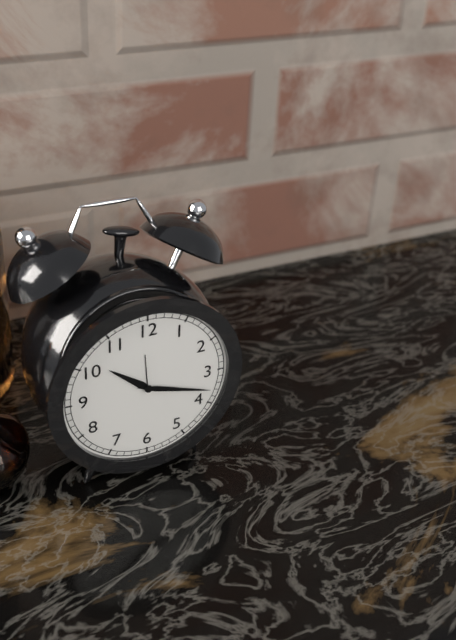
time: **10:18**
